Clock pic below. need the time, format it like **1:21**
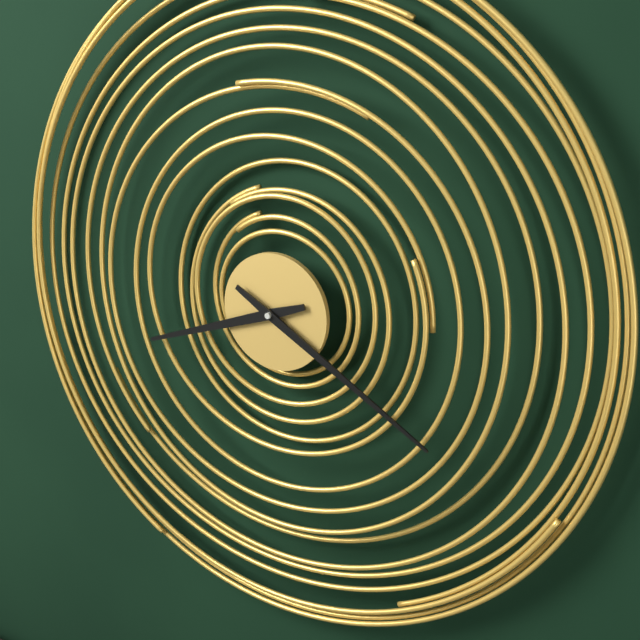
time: **8:20**
